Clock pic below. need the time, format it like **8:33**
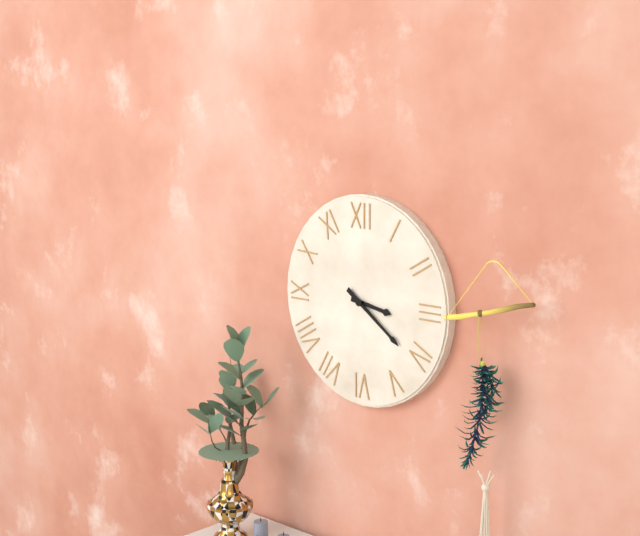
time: **3:21**
